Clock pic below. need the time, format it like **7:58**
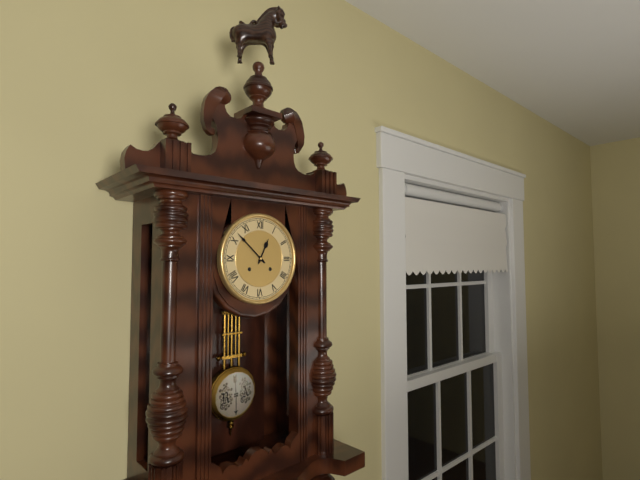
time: **12:52**
